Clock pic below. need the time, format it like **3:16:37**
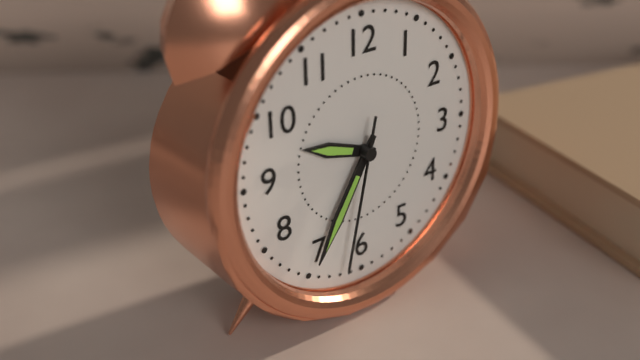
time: **9:35:32**
